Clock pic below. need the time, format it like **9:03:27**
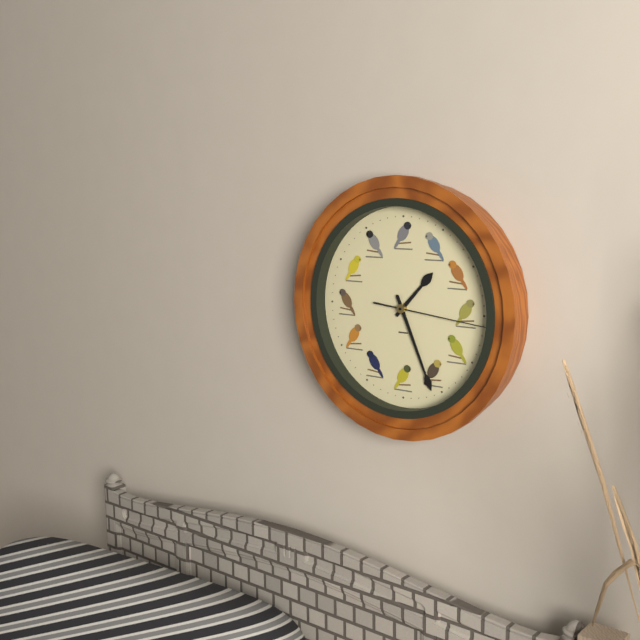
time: **1:26:16**
